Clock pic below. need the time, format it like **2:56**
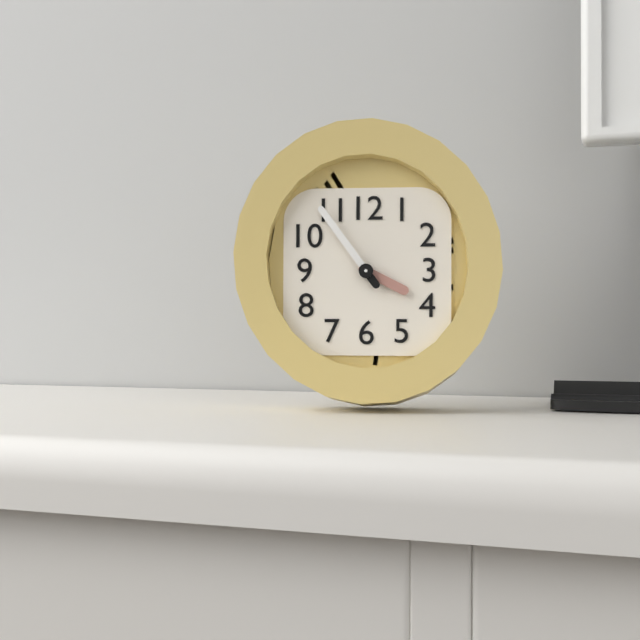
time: **3:54**
